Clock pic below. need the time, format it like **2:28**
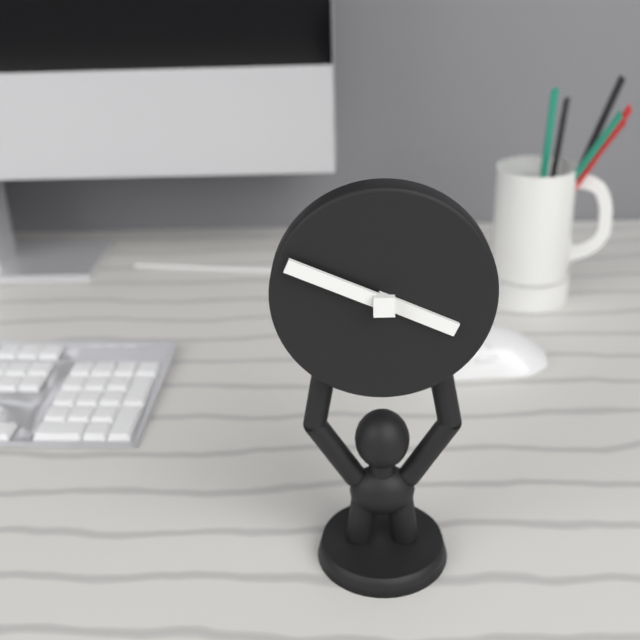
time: **3:49**
